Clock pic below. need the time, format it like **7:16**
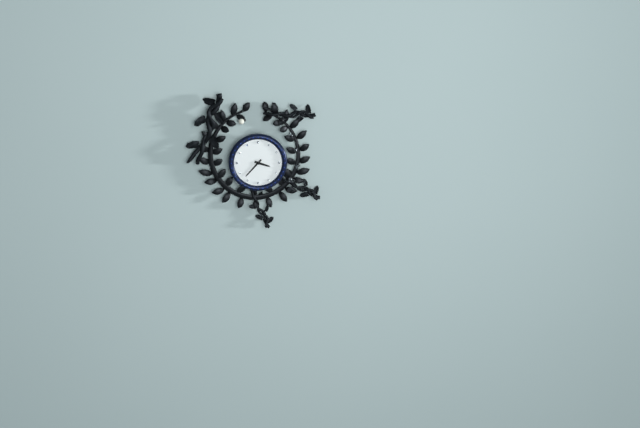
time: **3:37**
